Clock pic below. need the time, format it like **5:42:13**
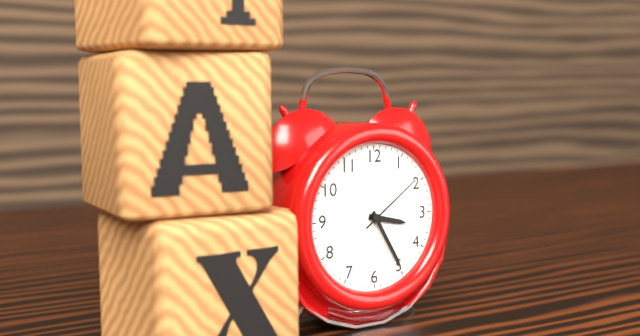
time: **3:25:09**
